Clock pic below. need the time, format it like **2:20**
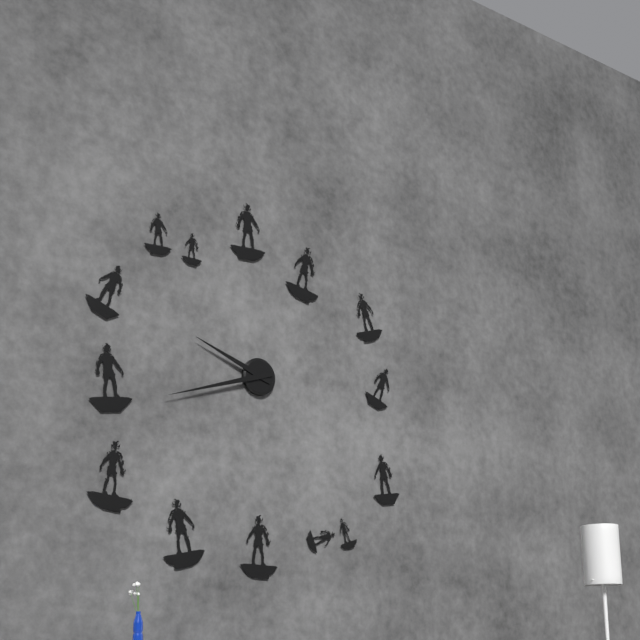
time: **9:42**
